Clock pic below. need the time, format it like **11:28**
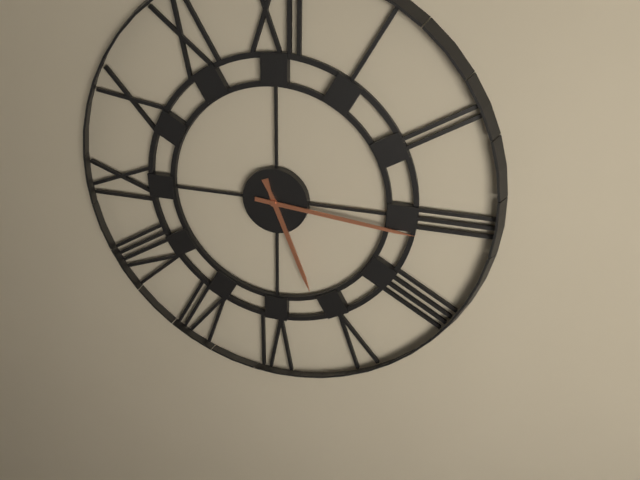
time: **5:16**
